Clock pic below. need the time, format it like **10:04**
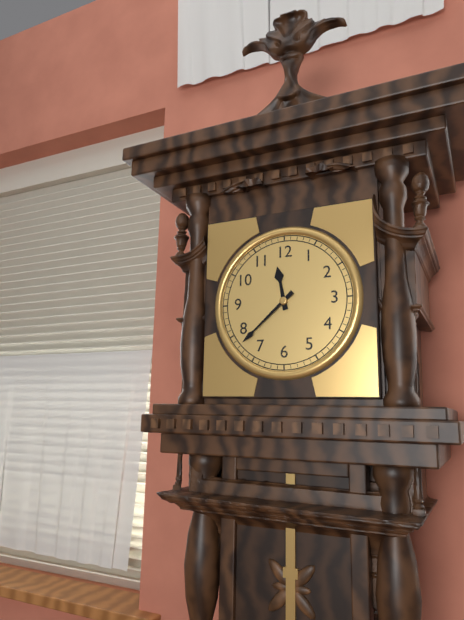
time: **11:38**
